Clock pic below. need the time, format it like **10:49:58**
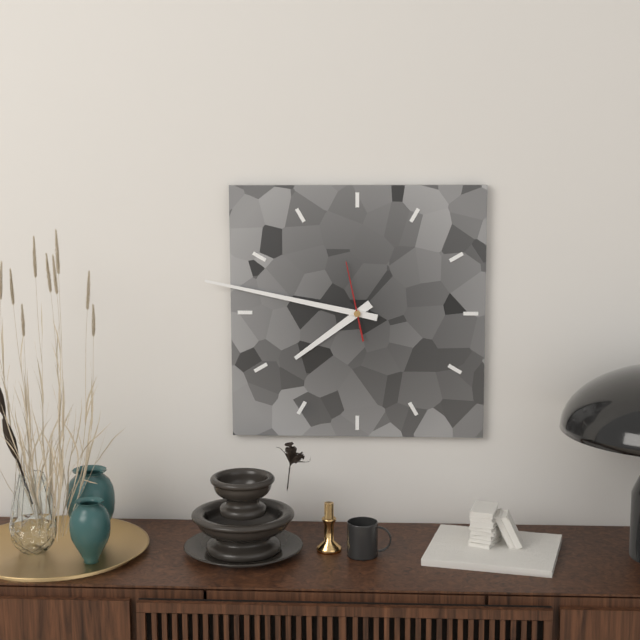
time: **7:47:58**
